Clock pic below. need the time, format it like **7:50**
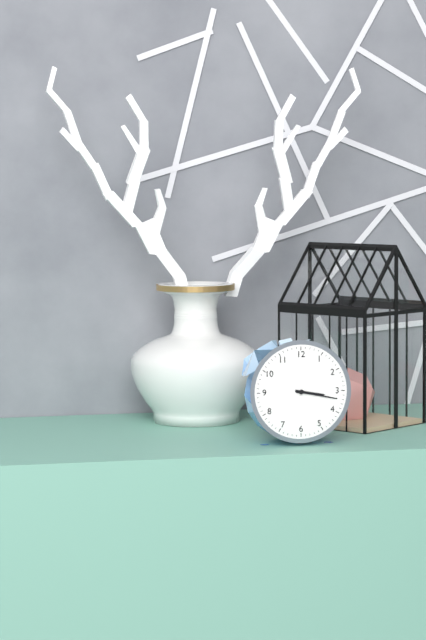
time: **3:17**
